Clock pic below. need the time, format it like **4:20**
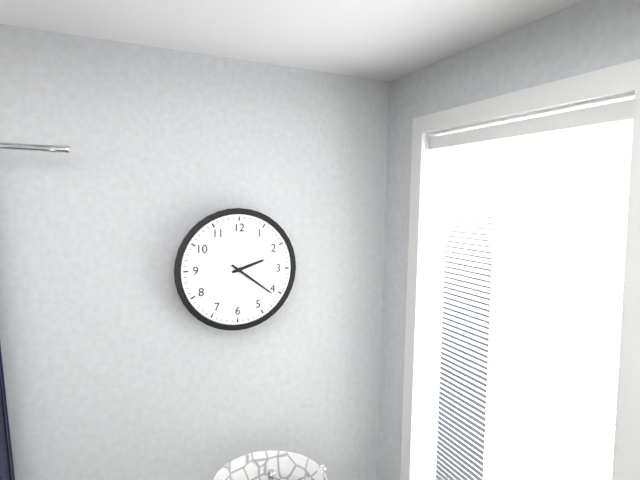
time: **2:21**
